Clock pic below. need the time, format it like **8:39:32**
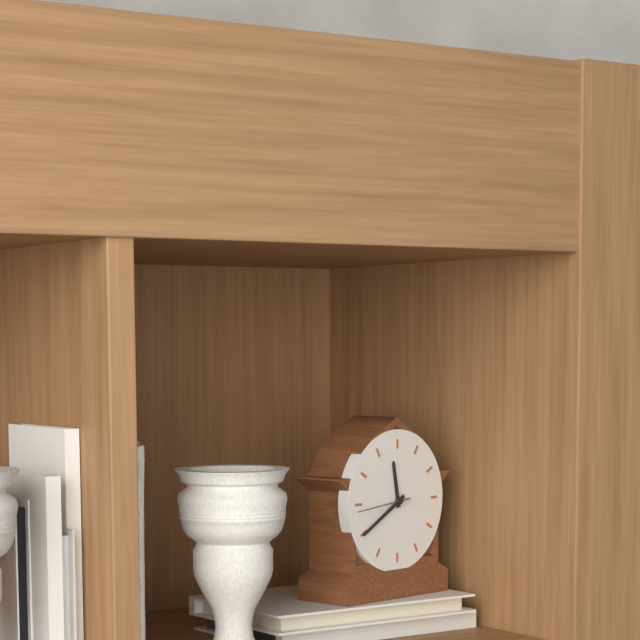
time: **11:40:44**
